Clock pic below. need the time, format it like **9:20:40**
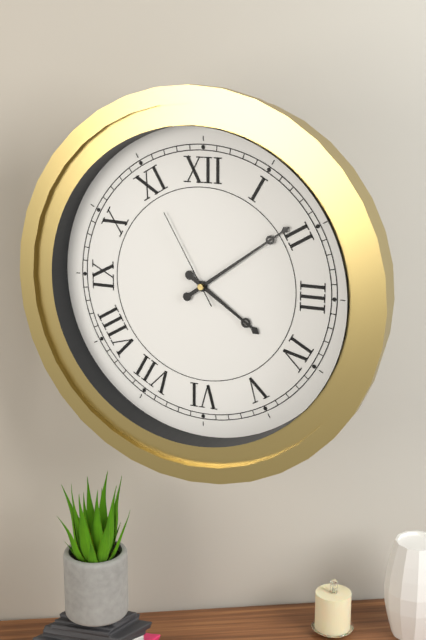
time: **4:09:55**
